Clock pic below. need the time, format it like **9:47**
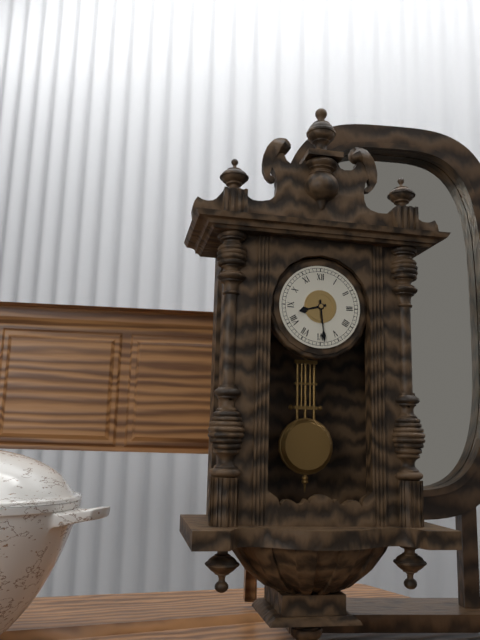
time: **8:29**
